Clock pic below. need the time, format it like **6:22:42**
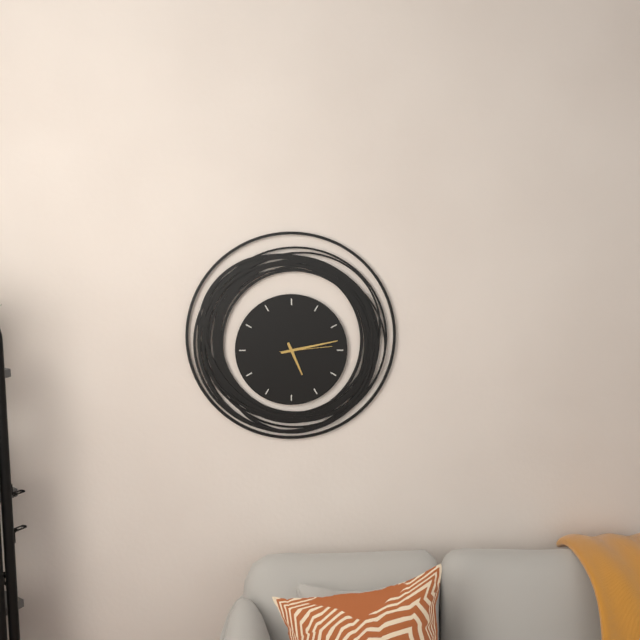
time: **5:13:14**
